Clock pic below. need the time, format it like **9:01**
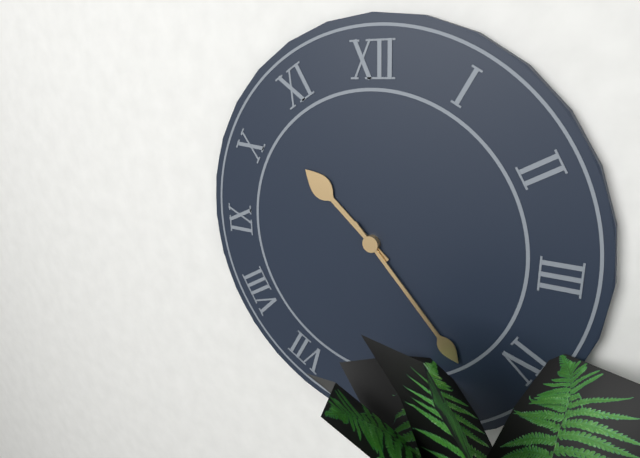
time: **10:23**
